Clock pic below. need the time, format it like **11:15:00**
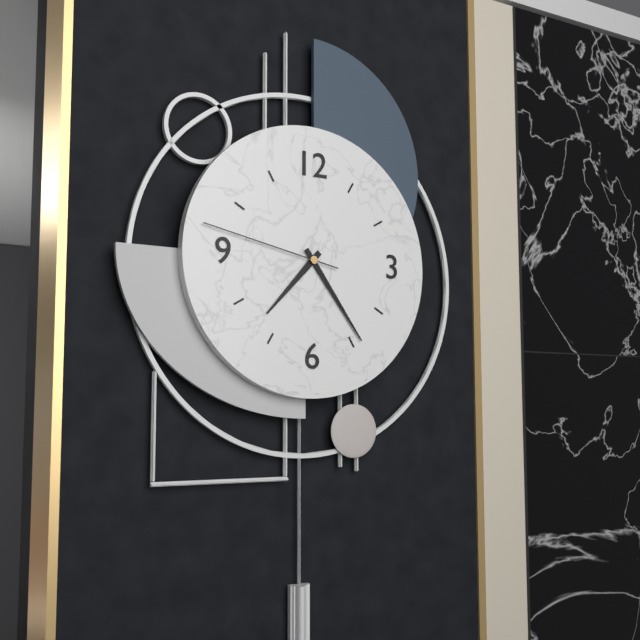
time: **7:24:47**
